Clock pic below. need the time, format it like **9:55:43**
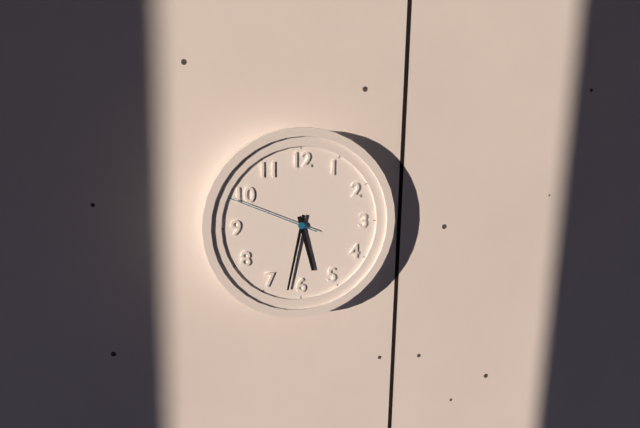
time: **5:32:49**
